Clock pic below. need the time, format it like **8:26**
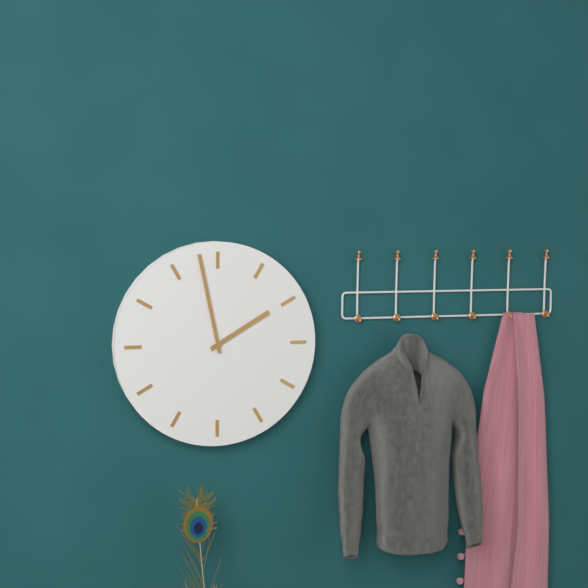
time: **1:58**
